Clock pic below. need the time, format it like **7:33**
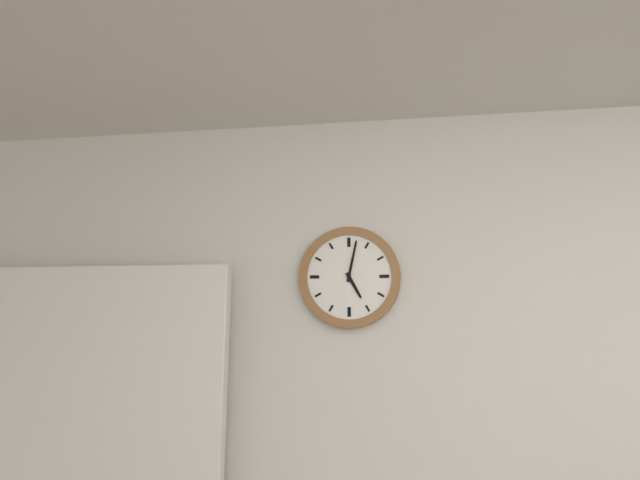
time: **5:02**
